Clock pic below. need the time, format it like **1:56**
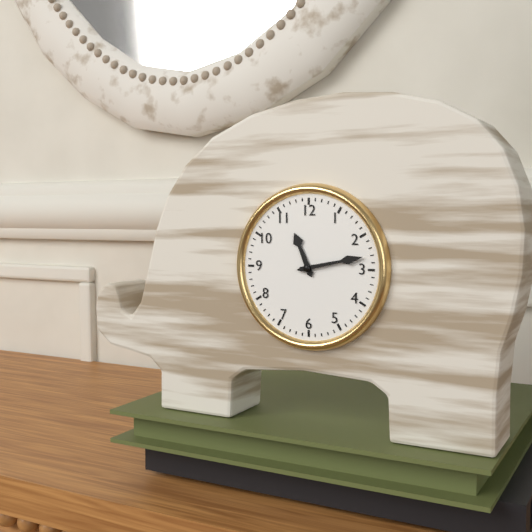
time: **11:13**
